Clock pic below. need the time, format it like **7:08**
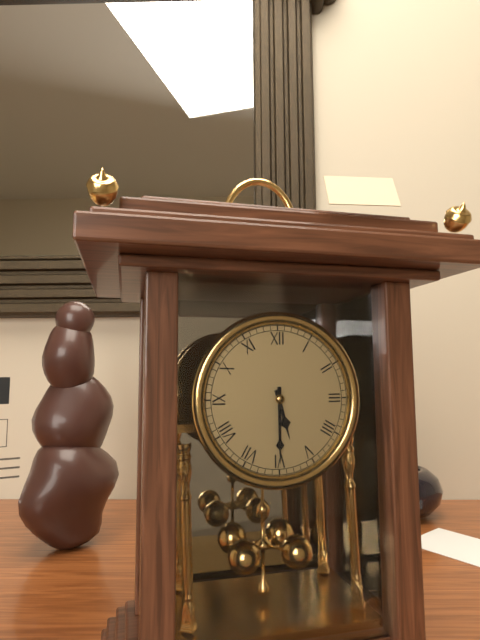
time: **5:30**
